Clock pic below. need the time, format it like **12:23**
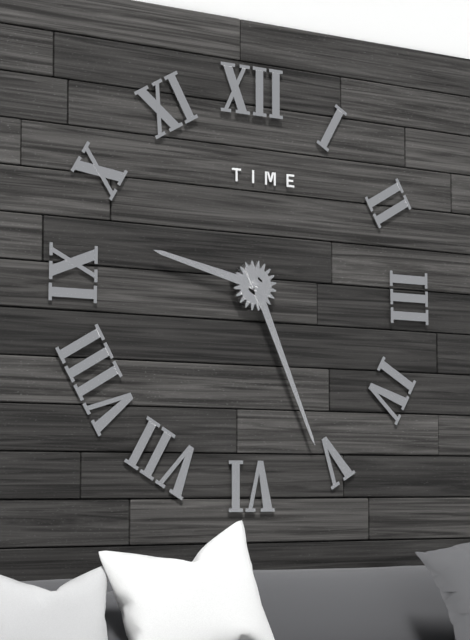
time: **9:26**
